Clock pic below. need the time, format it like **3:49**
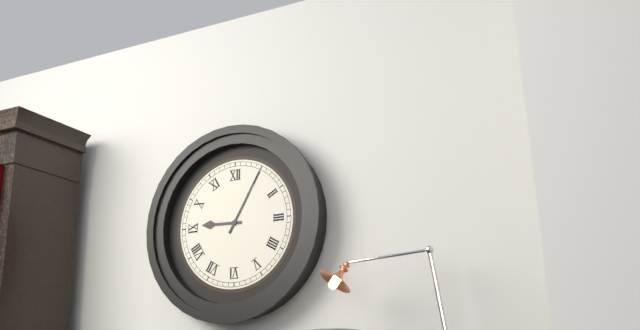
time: **9:05**
